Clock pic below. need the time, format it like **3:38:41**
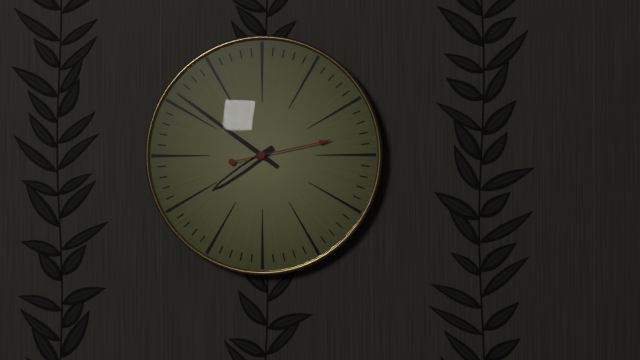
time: **7:51:13**
